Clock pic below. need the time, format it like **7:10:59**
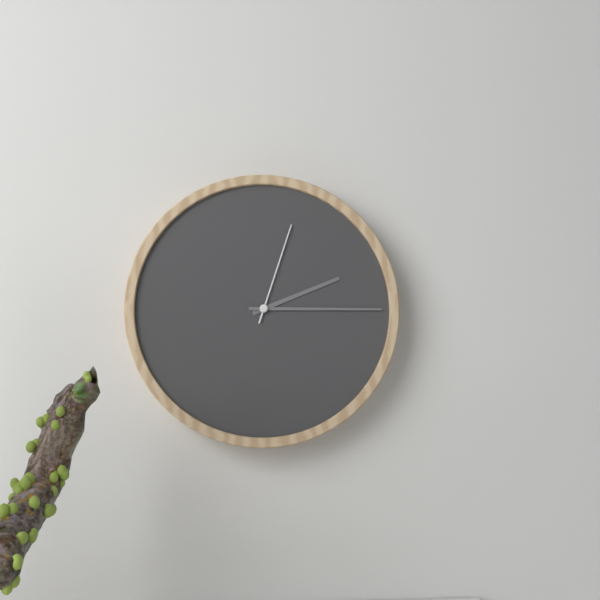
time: **2:15:03**
